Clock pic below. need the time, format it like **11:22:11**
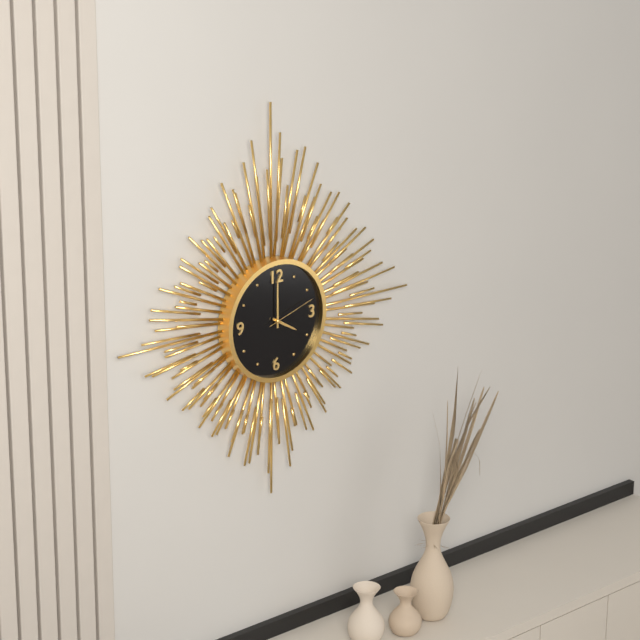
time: **4:00:12**
